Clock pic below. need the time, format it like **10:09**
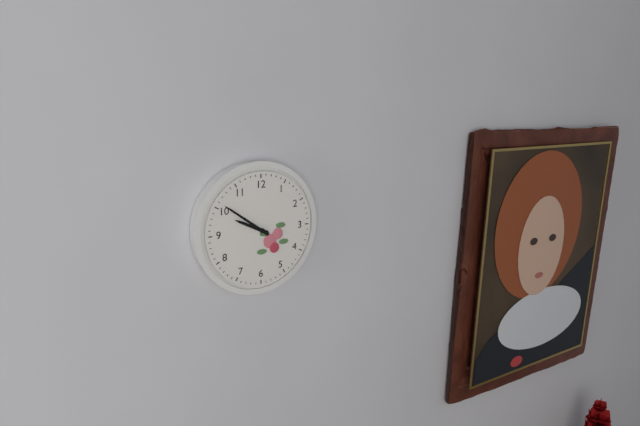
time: **9:51**
